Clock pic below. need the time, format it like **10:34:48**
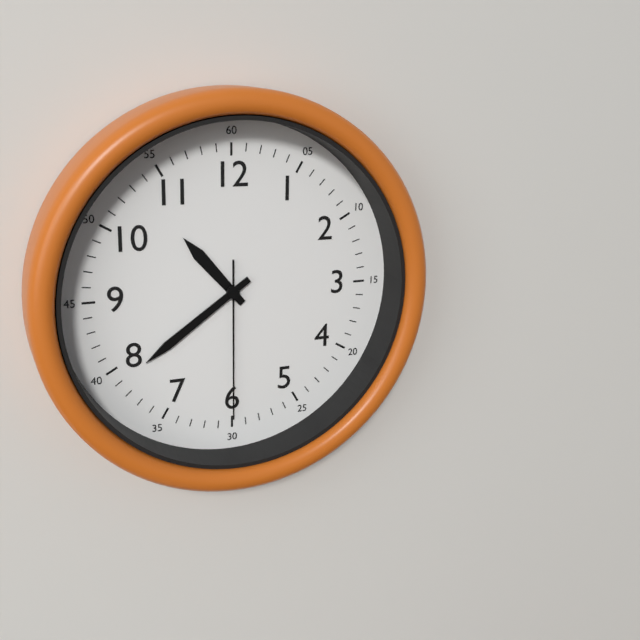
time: **10:39:30**
